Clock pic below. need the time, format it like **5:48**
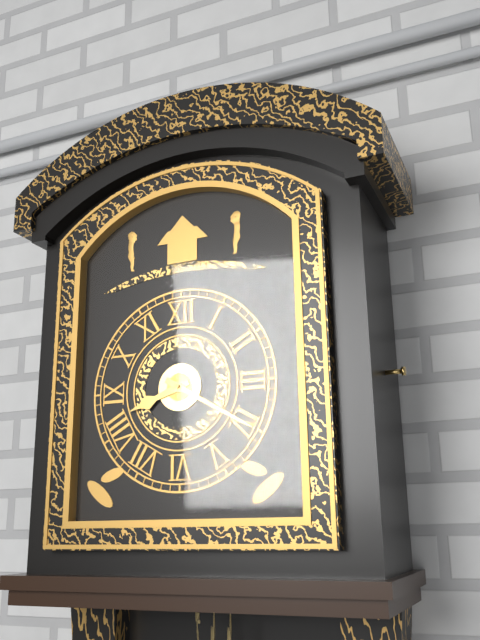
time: **8:20**
